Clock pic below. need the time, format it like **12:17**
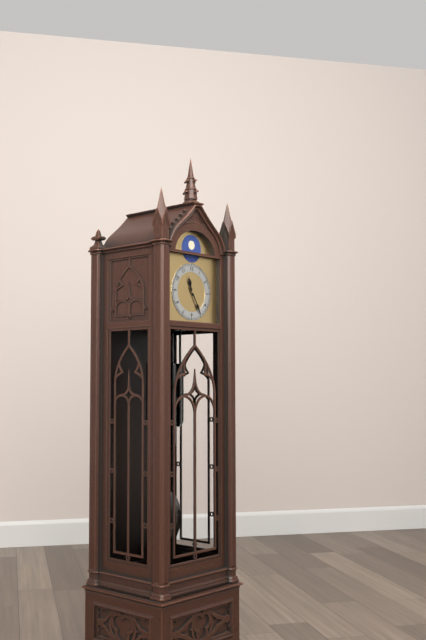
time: **11:25**
